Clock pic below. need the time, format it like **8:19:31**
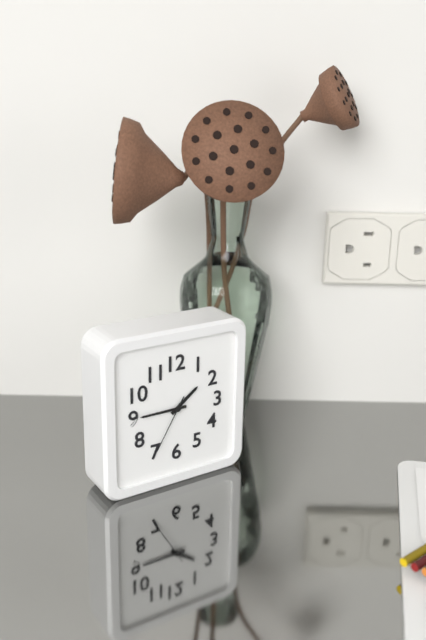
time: **1:45:35**
